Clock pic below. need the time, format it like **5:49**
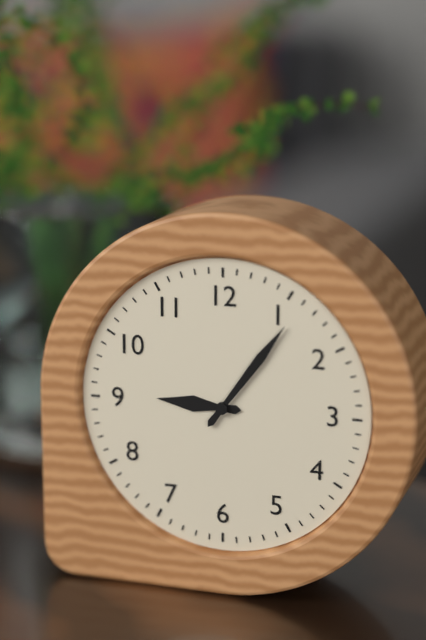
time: **9:06**
